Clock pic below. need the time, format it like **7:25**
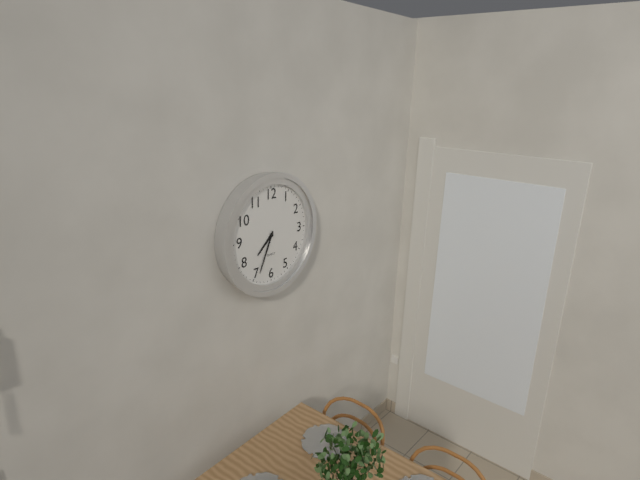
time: **7:34**
